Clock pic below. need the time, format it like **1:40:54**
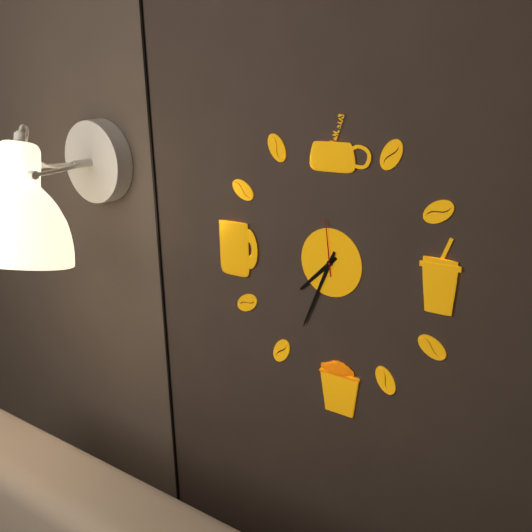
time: **7:34:59**
